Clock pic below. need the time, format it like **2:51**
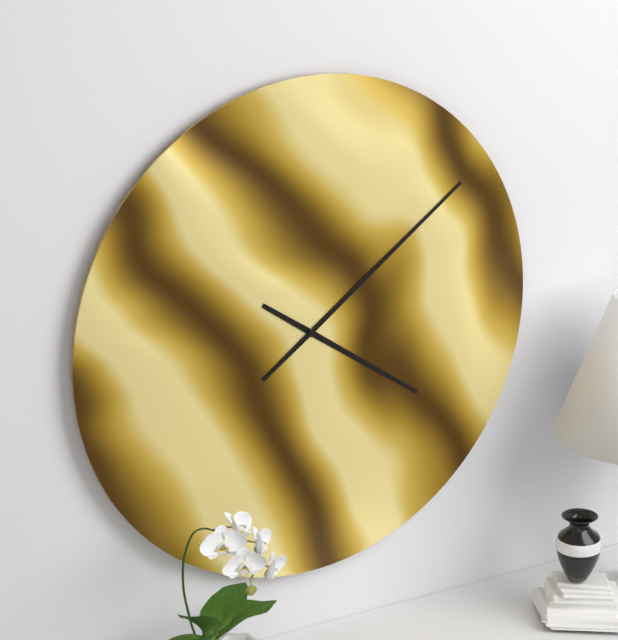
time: **4:09**
